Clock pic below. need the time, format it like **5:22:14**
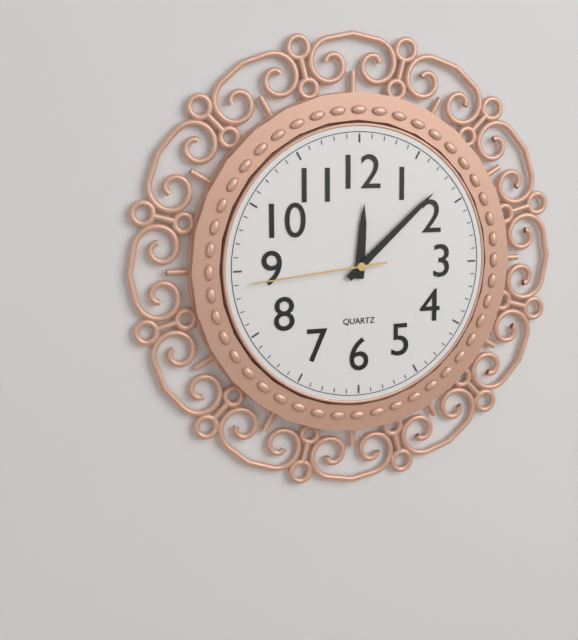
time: **12:08:44**
